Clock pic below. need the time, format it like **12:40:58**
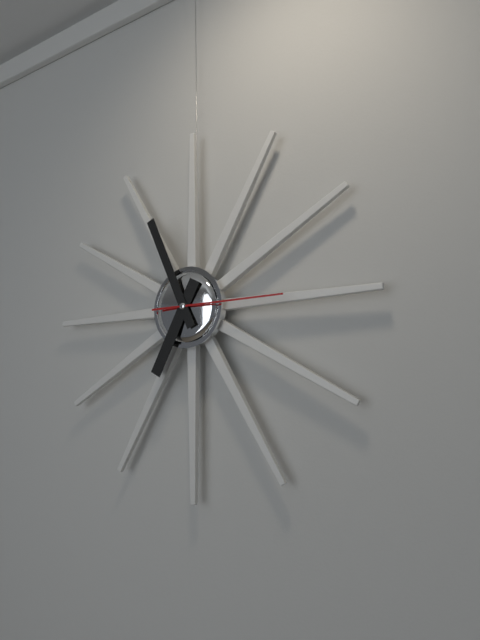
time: **6:56:15**
